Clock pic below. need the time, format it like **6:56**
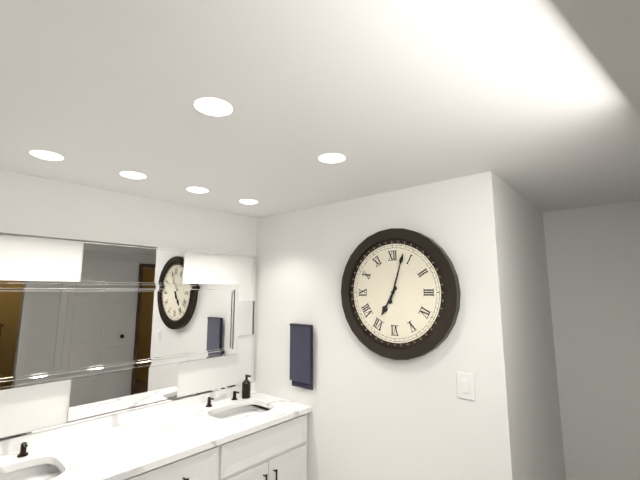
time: **7:03**
